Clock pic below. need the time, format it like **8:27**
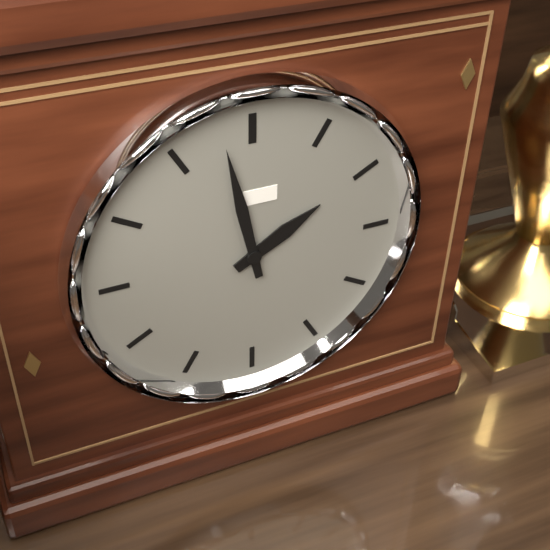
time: **1:58**
